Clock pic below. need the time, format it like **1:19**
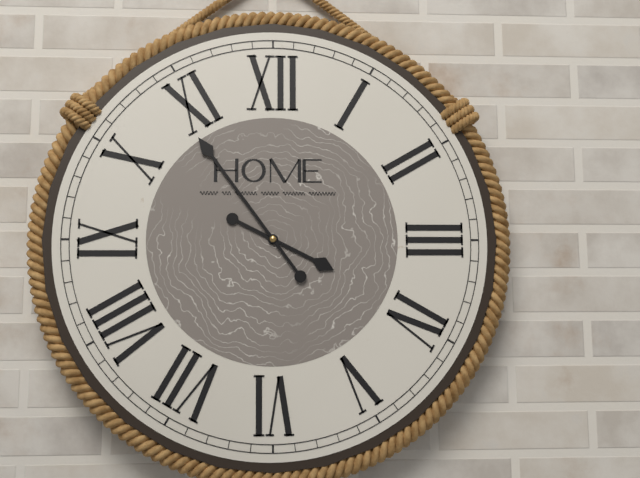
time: **3:54**
